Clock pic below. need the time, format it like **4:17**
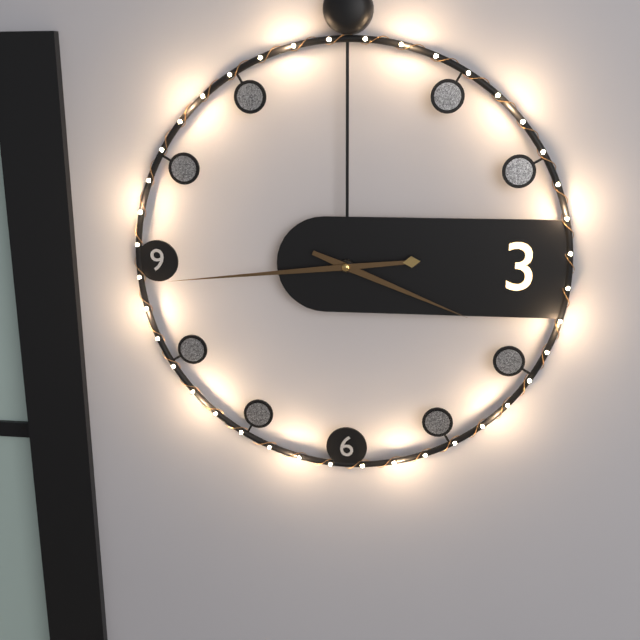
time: **3:44**
